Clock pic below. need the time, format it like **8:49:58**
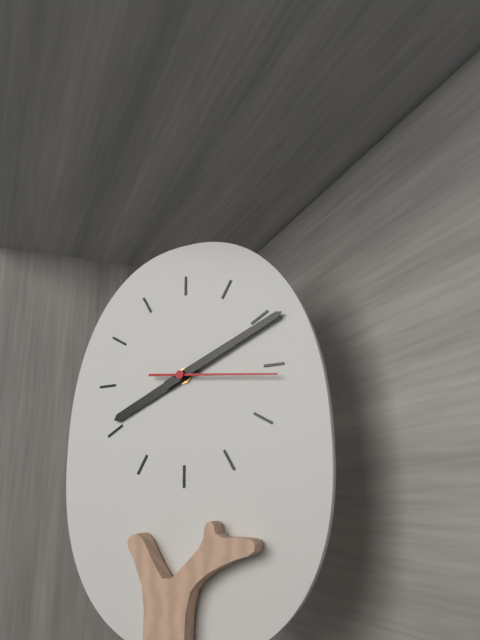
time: **8:11:16**
